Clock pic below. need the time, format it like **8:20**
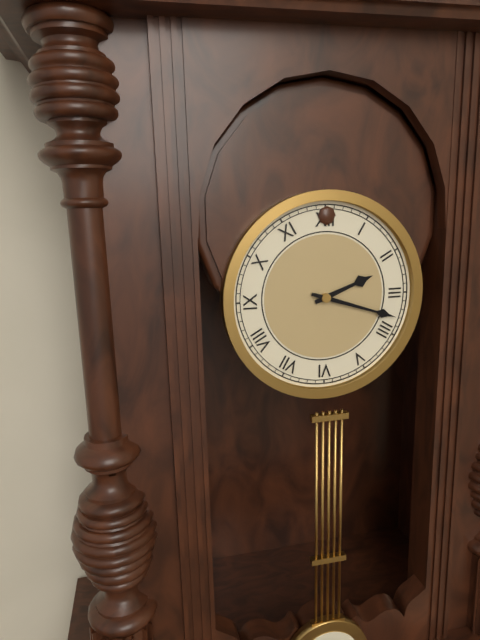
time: **2:18**
